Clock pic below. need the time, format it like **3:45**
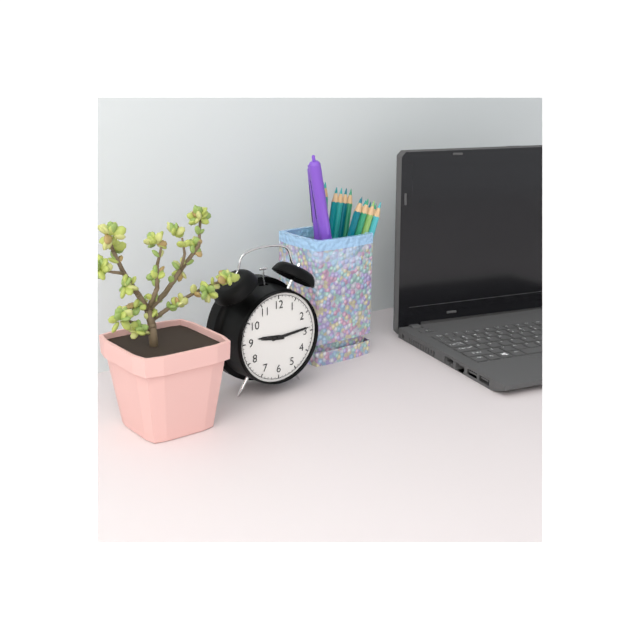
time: **9:14**
